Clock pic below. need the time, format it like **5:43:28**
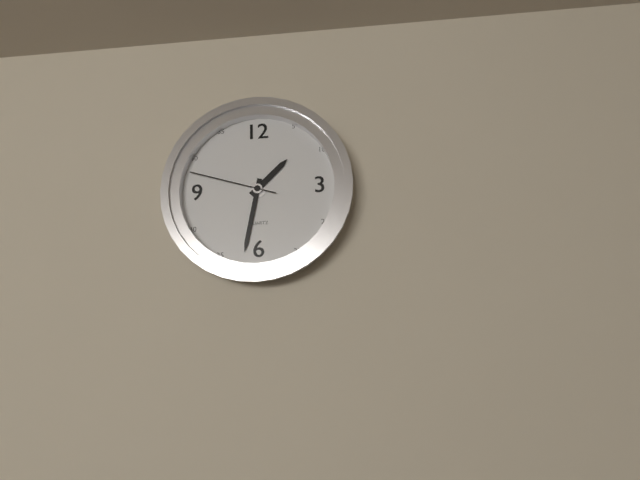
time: **1:32:48**
